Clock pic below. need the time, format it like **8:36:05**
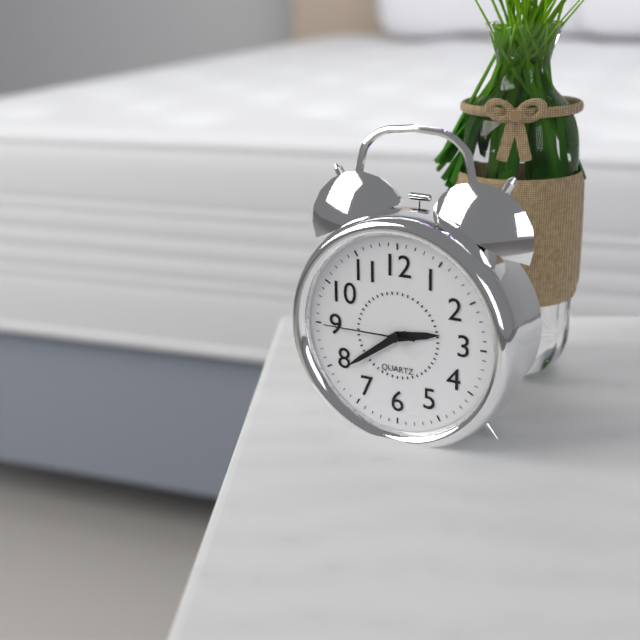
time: **2:39:45**
